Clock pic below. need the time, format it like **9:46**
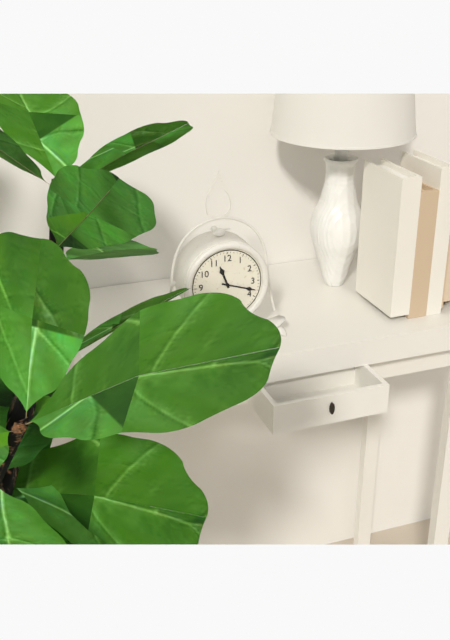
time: **11:18**
